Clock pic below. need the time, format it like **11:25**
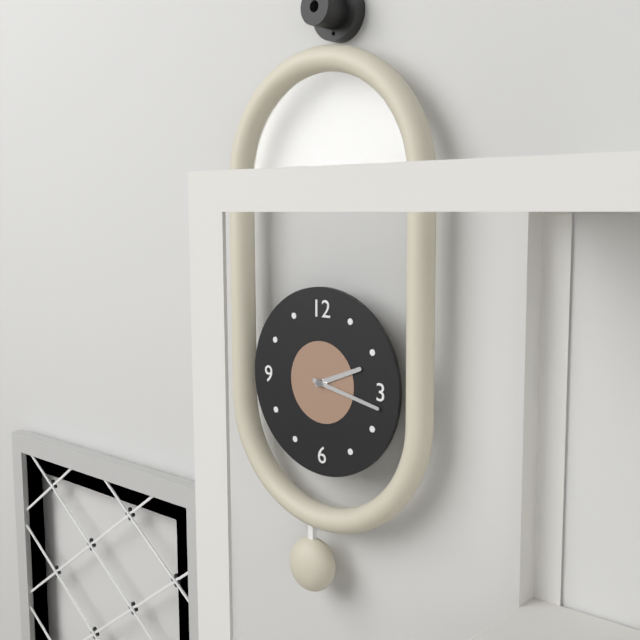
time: **2:17**
